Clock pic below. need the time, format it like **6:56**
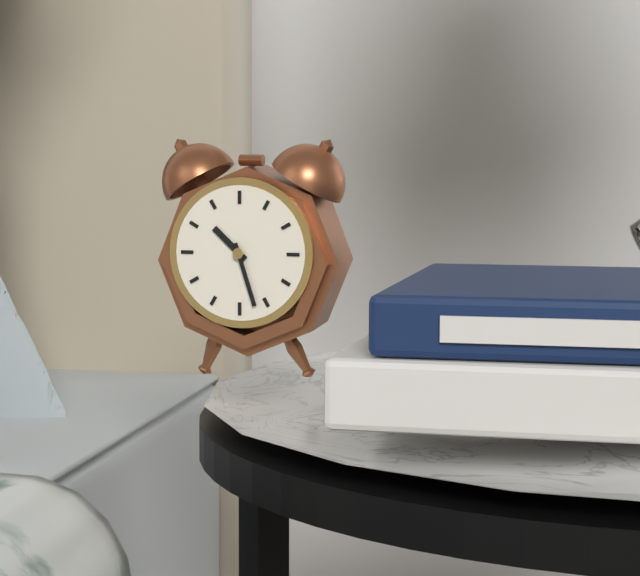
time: **10:27**
